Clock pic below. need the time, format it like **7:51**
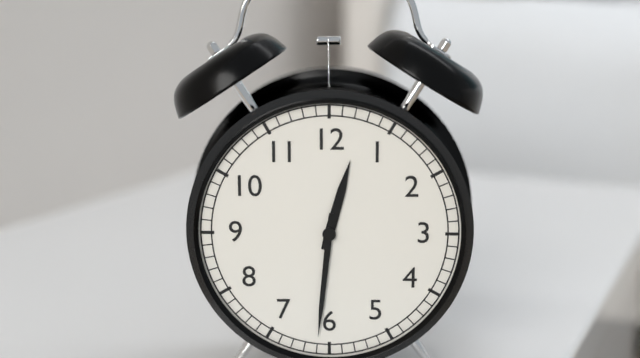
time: **12:31**
